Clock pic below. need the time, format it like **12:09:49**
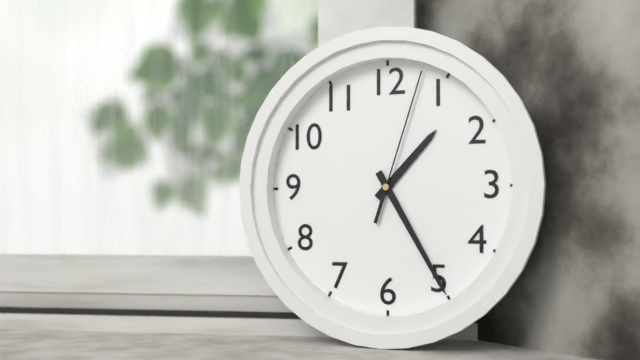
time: **1:25:03**
